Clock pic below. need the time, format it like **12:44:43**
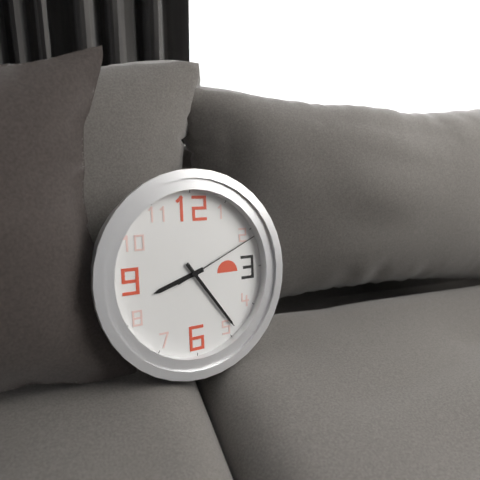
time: **8:24:11**
